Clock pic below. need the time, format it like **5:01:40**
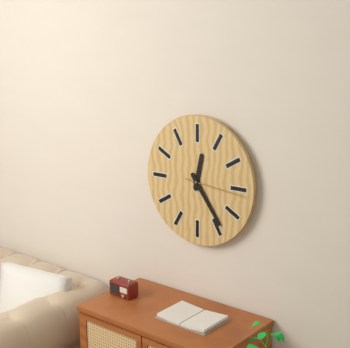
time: **12:24:16**
